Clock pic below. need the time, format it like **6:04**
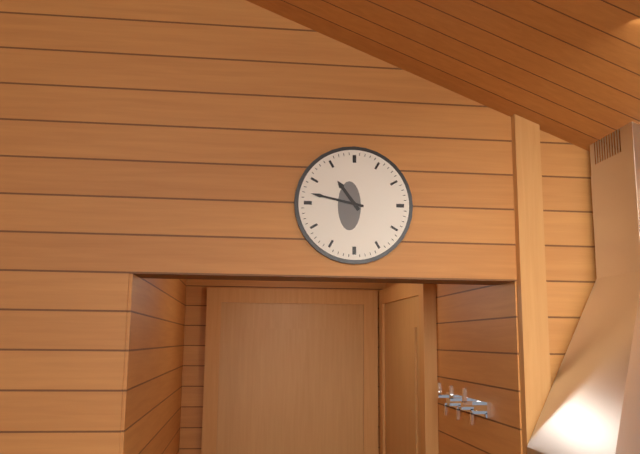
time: **10:47**
